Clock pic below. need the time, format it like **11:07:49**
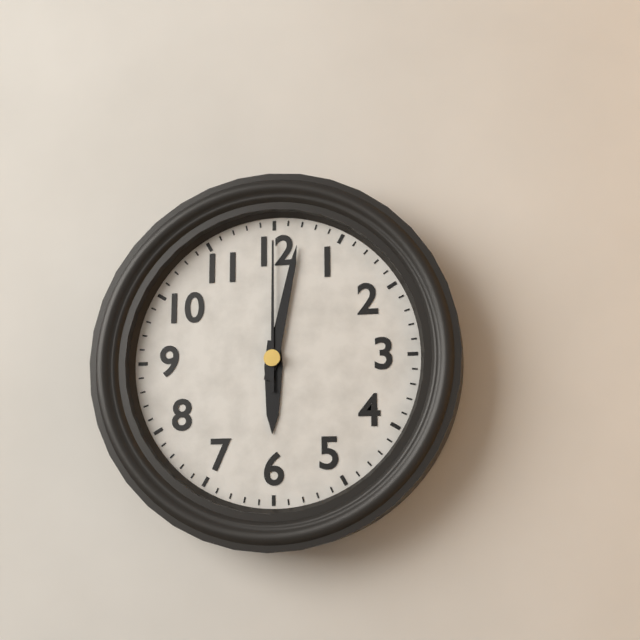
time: **6:02:00**
